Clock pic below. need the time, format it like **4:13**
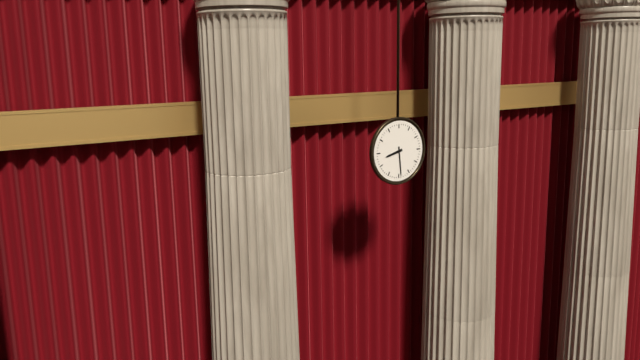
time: **8:29**
